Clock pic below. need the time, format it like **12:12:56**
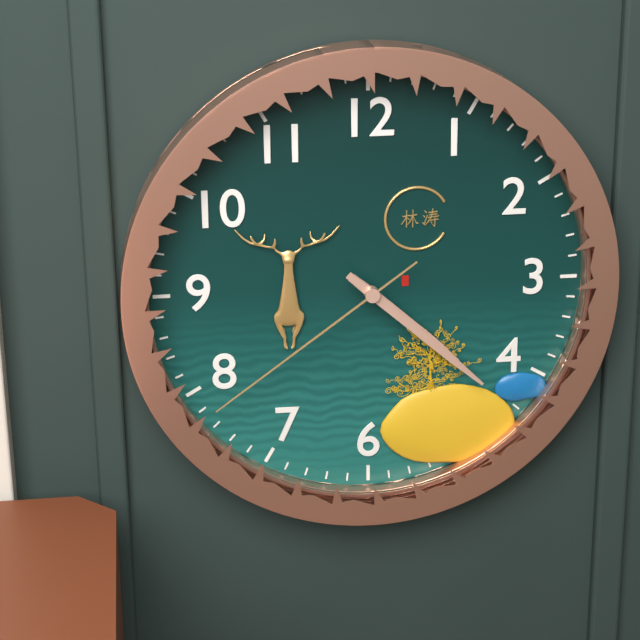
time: **4:22:39**
